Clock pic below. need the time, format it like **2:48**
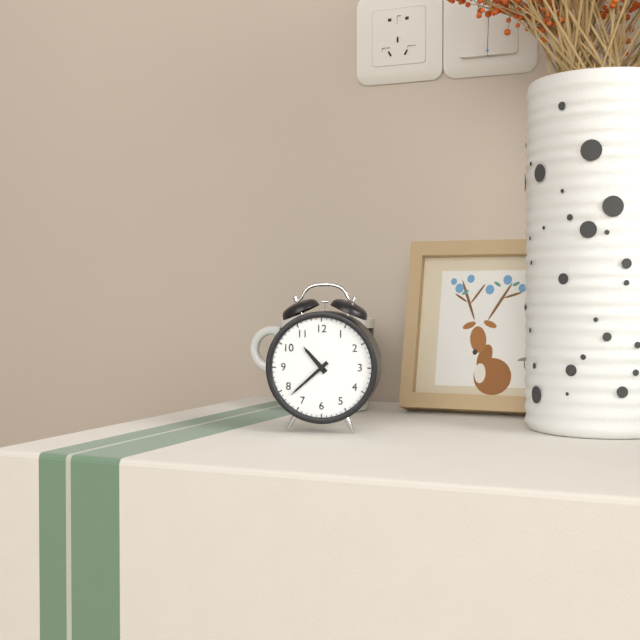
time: **10:38**
